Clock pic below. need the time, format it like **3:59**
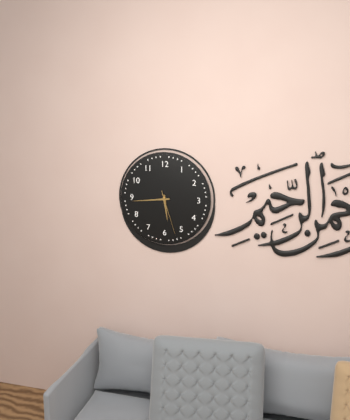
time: **5:44**
